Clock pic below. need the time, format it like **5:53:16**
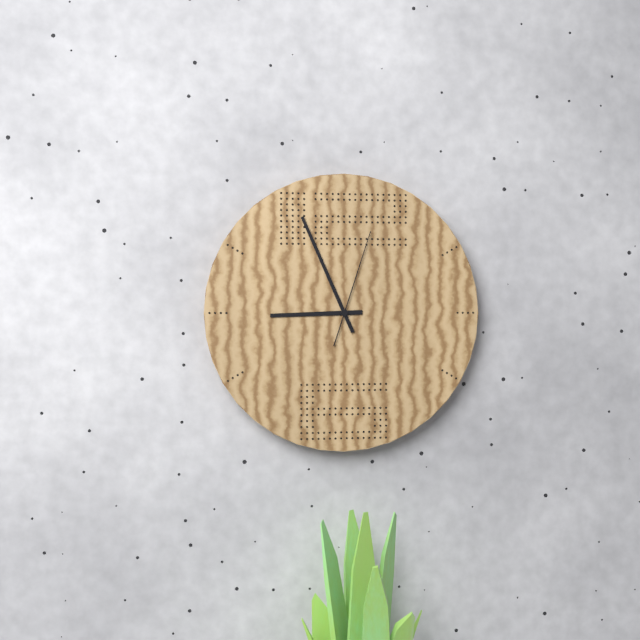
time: **8:56:03**
